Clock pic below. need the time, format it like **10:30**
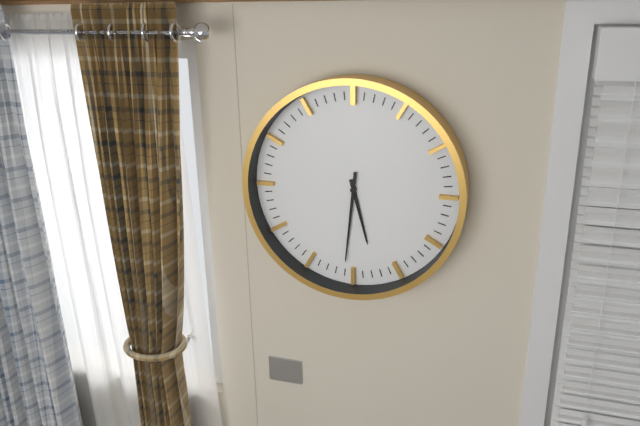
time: **5:31**
